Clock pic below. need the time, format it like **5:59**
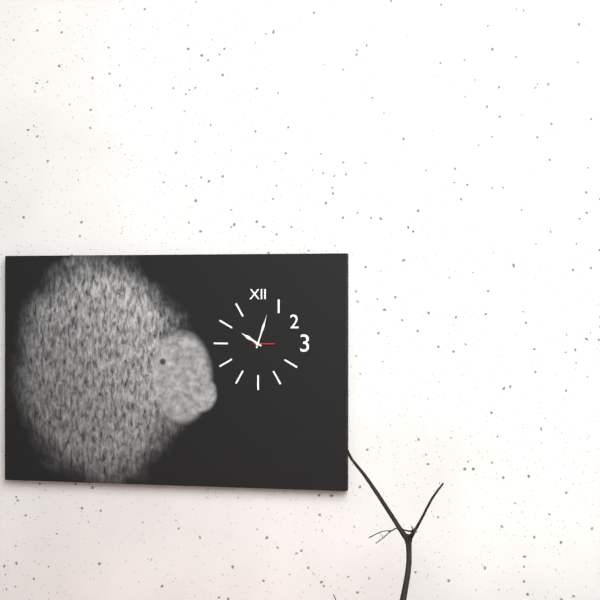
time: **10:03**
